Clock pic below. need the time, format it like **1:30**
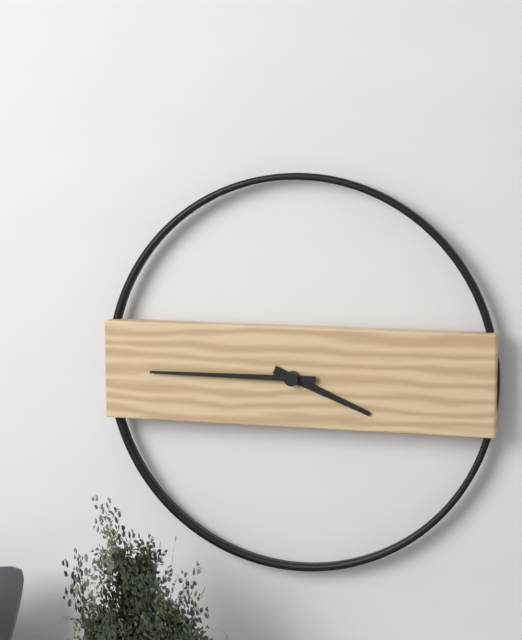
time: **3:45**
